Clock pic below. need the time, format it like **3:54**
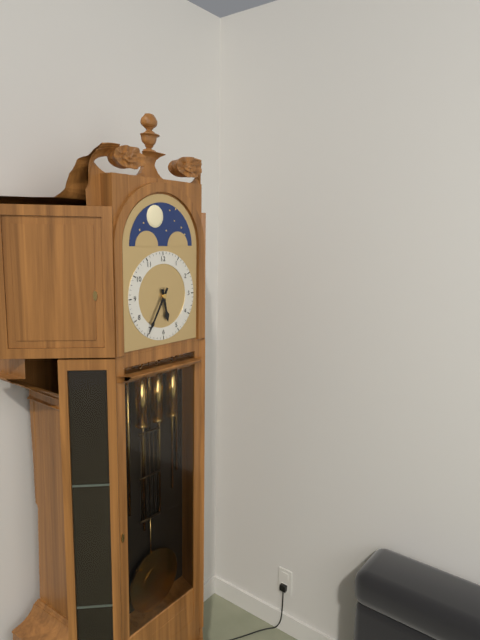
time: **5:35**
